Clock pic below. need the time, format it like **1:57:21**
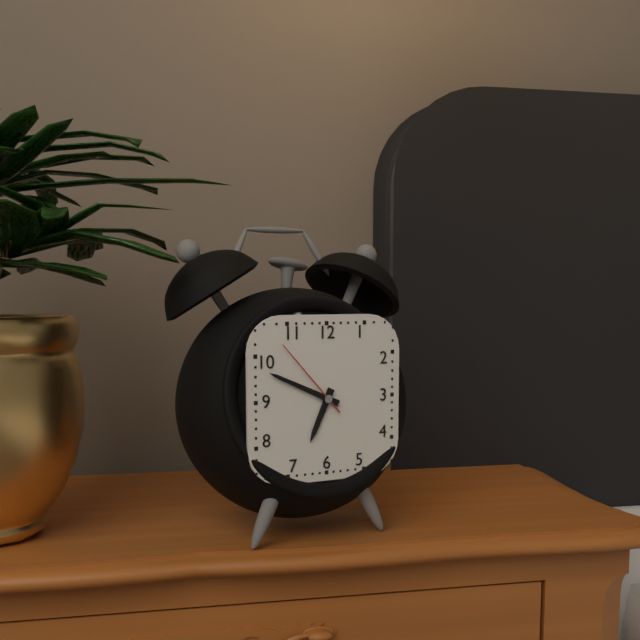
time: **6:49:53**
